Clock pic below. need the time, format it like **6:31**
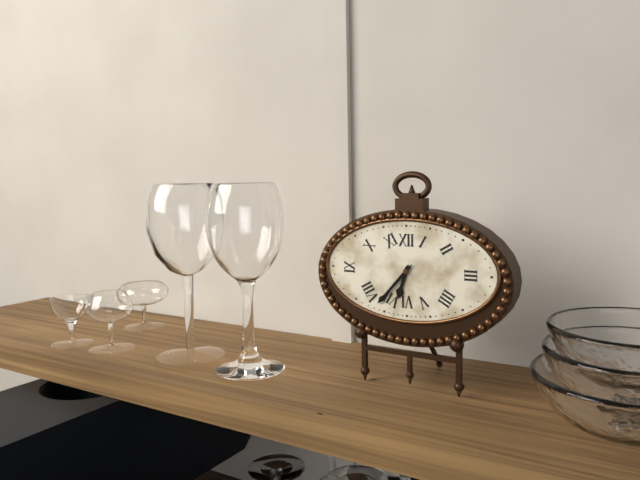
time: **6:37**
